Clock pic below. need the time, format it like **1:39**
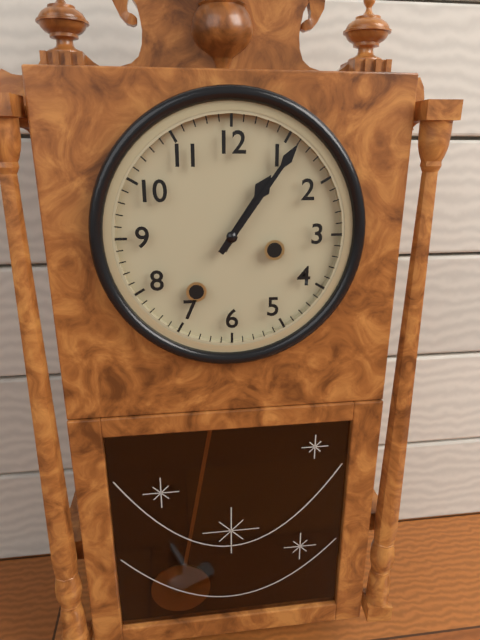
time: **1:06**
